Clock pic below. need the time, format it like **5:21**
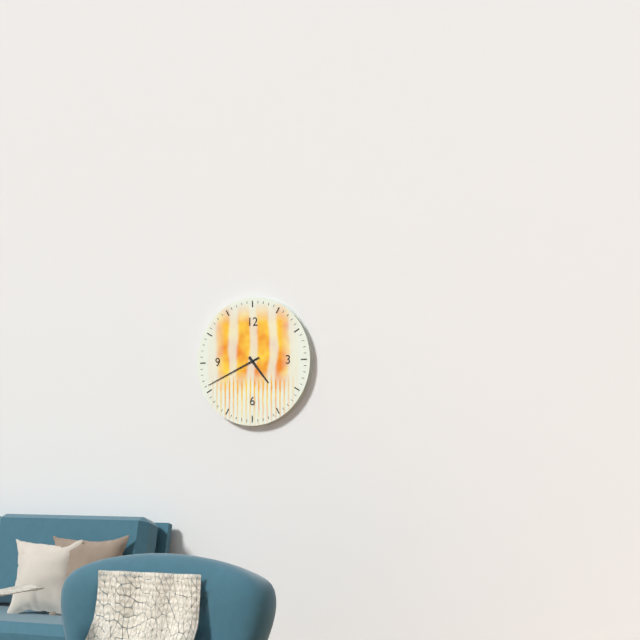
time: **4:41**
